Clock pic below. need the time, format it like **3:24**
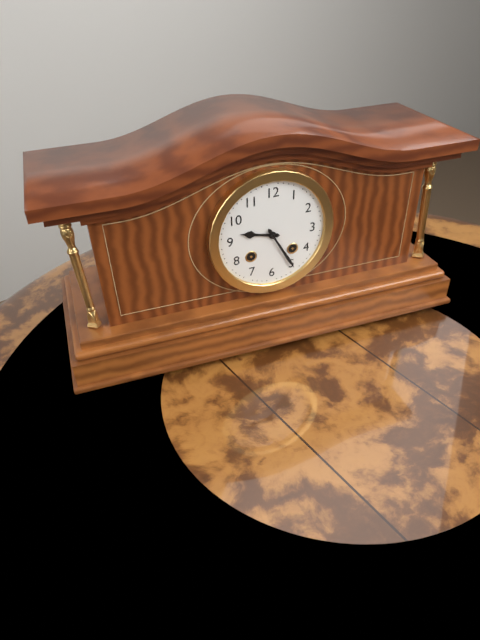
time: **9:25**
